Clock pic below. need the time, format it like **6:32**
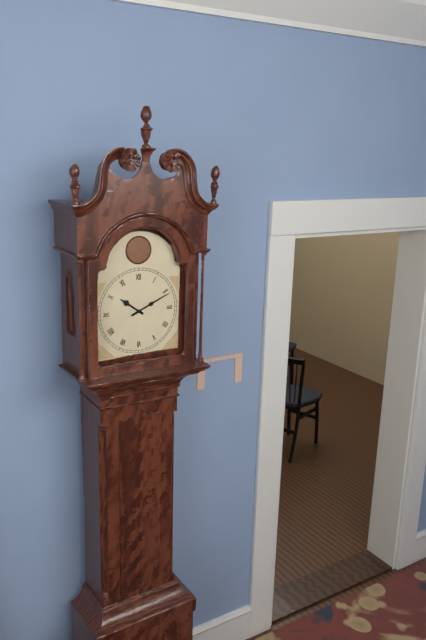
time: **10:11**
